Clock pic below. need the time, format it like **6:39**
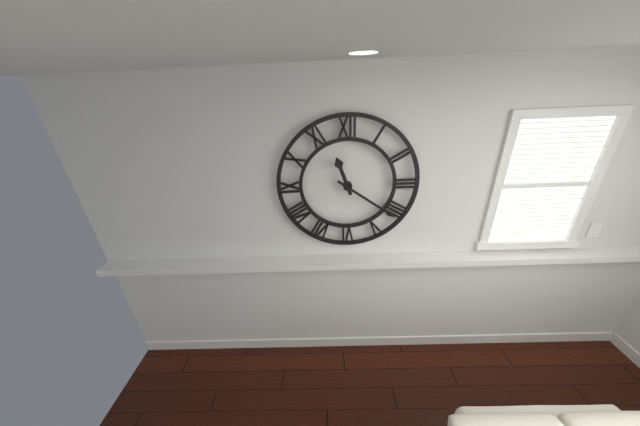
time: **11:21**
